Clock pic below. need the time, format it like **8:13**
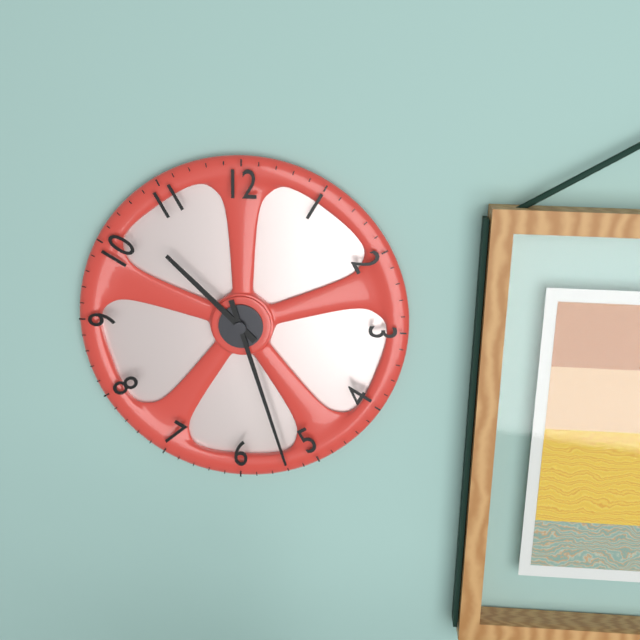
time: **10:27**
